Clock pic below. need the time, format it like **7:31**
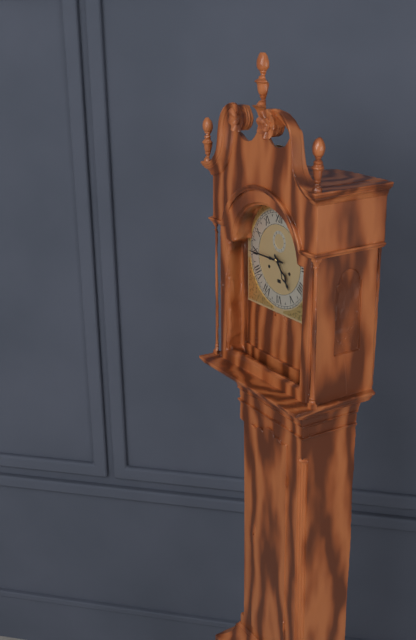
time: **4:45**
